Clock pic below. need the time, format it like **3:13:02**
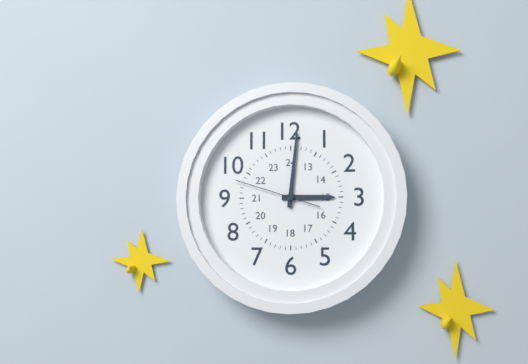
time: **3:01:48**
